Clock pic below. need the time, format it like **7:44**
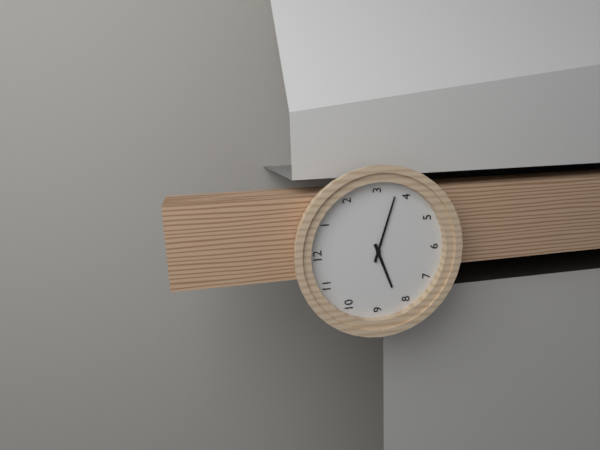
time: **8:18**
